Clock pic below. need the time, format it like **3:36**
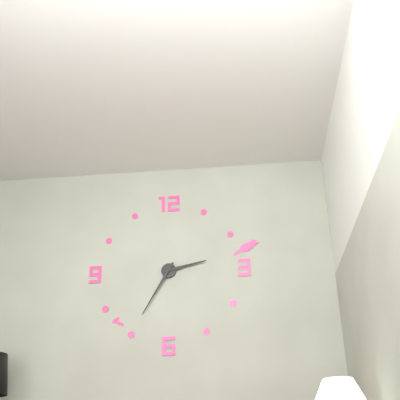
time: **2:35**
